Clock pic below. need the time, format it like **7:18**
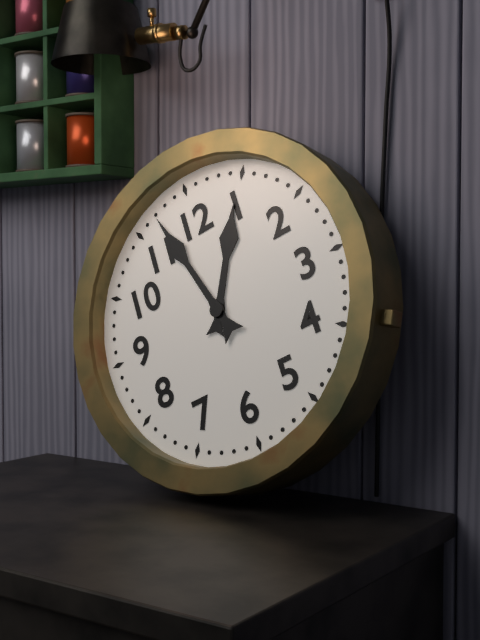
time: **12:57**
